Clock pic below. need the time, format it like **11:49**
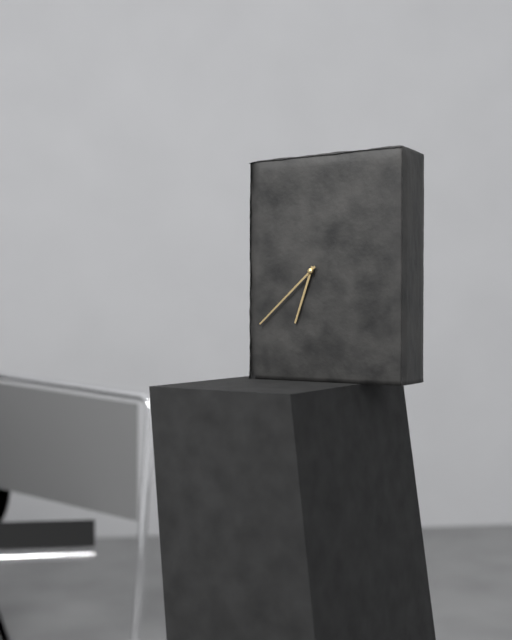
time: **6:38**
